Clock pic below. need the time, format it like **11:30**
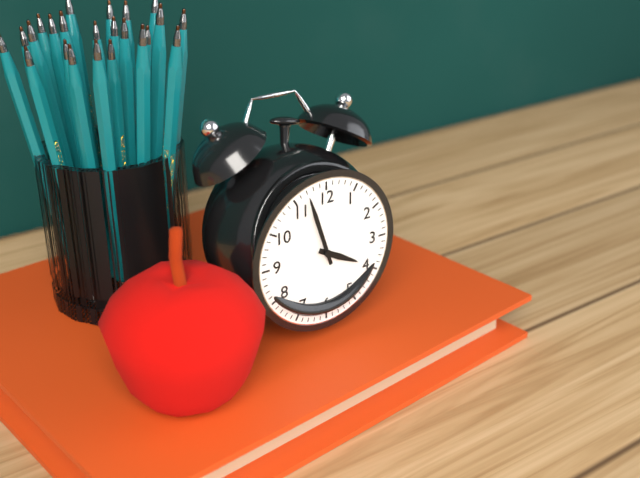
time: **3:57**
